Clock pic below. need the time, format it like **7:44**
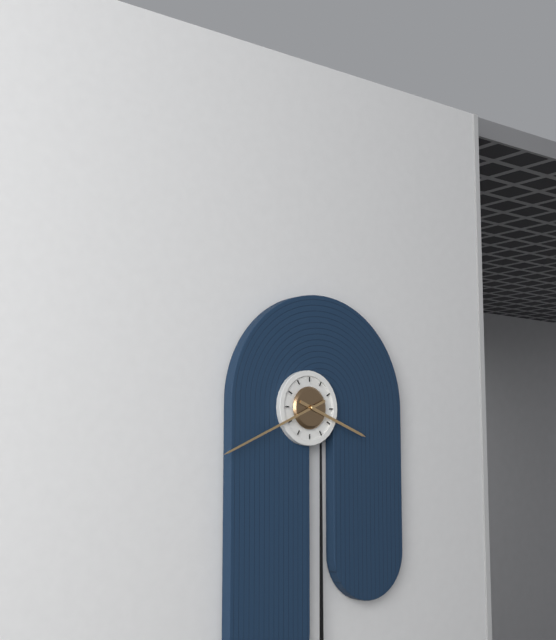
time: **3:41**
